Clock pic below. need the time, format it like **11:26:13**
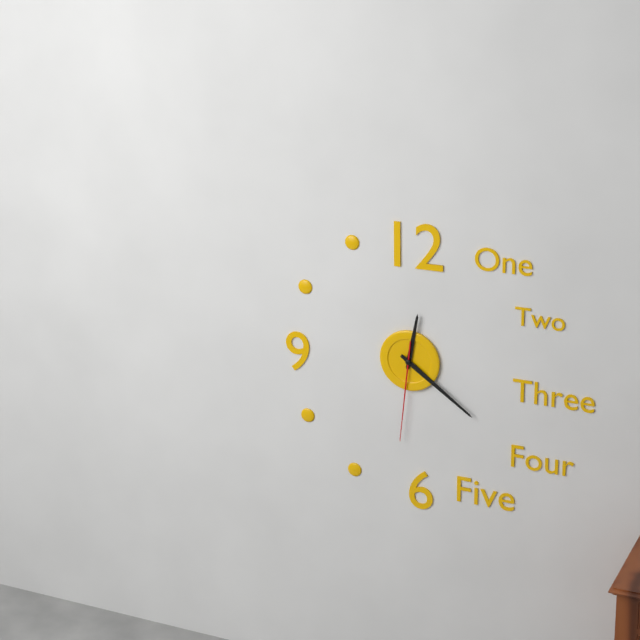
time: **12:21:31**
